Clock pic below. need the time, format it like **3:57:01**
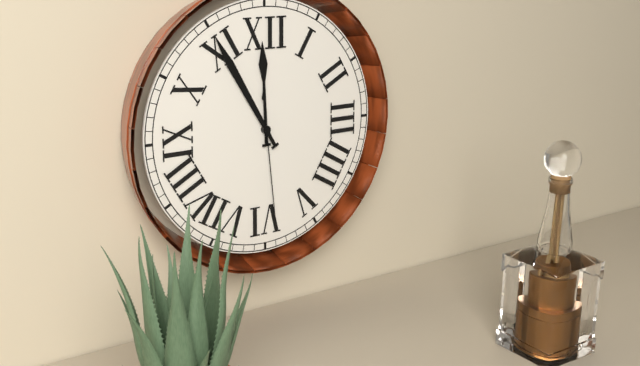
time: **11:55:29**
